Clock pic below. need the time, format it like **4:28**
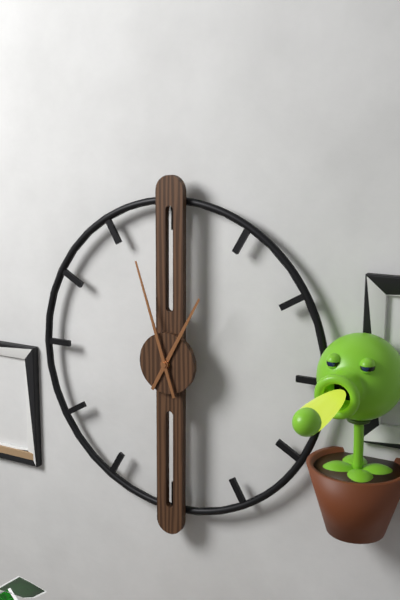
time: **12:57**
